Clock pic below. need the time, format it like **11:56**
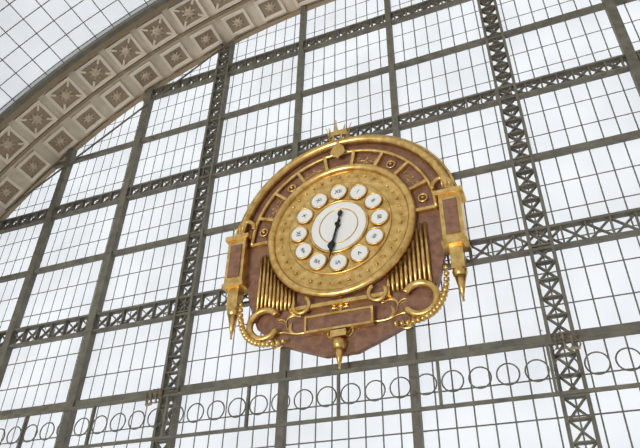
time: **6:32**
